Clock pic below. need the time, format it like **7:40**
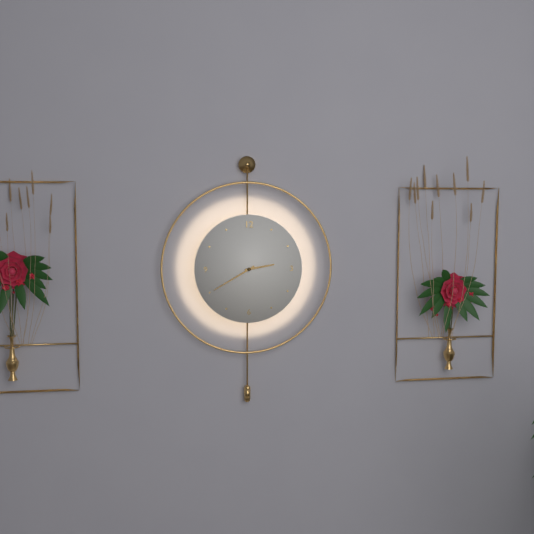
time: **2:40**
